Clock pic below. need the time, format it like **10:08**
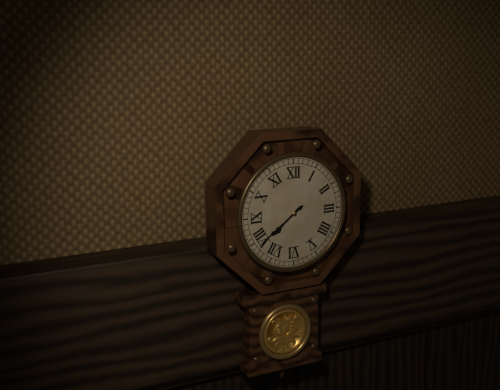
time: **7:39**
